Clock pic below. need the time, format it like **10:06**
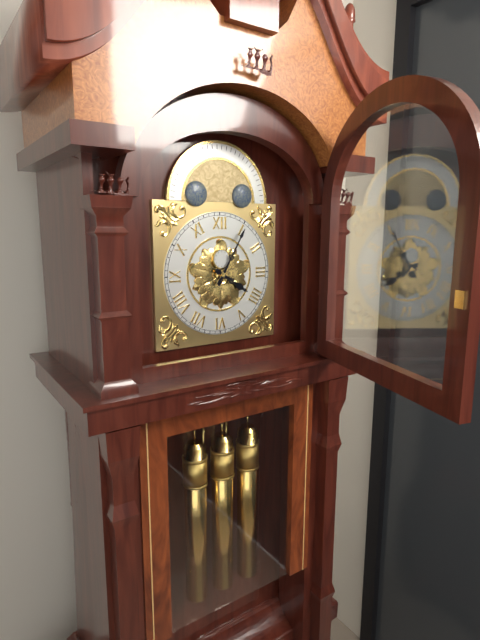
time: **4:05**
